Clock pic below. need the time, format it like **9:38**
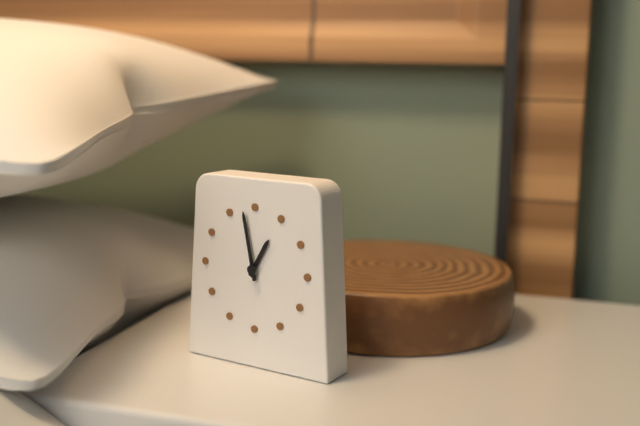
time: **12:58**
